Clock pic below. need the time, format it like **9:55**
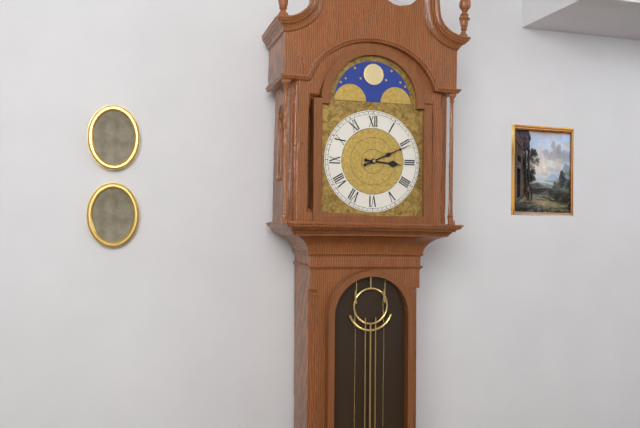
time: **3:11**
